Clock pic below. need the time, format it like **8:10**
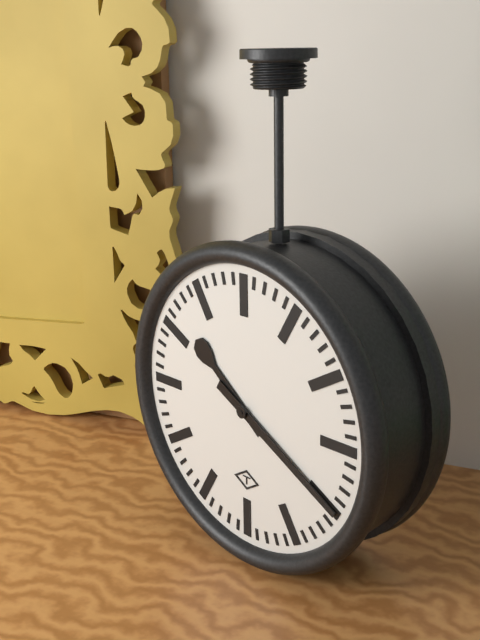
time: **10:20**
